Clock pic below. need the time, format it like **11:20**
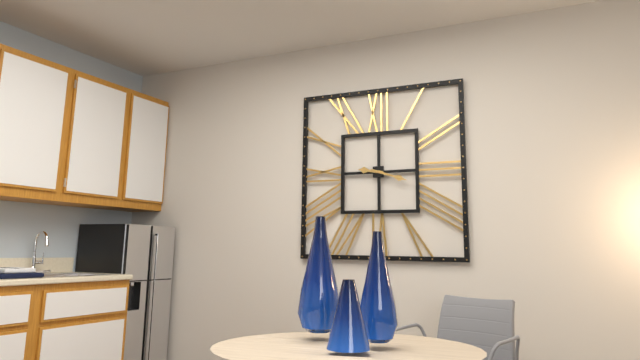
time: **9:18**
